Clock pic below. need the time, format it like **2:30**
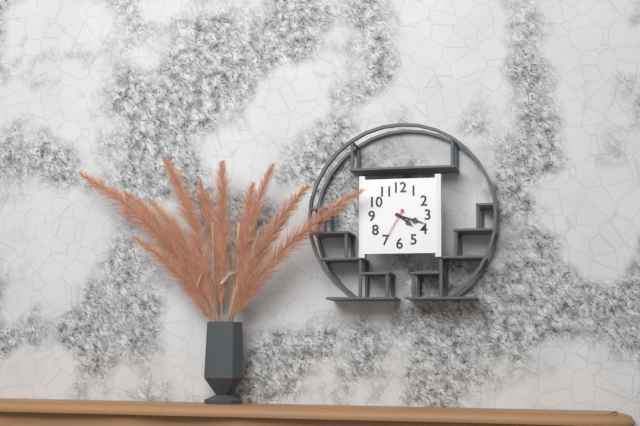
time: **4:18**
